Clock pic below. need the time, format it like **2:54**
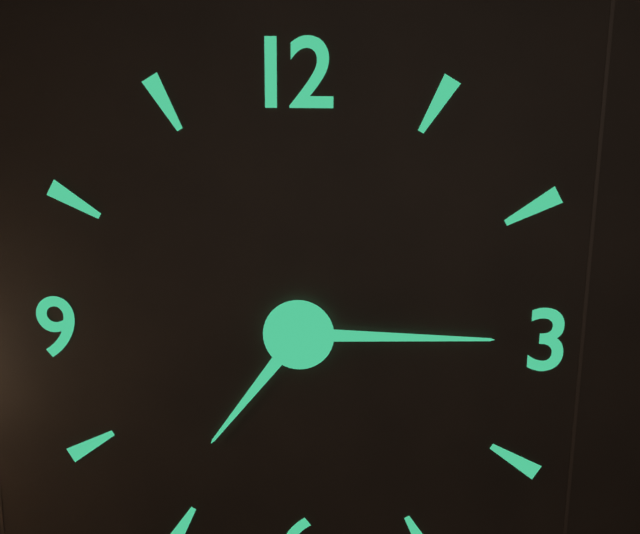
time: **7:15**
